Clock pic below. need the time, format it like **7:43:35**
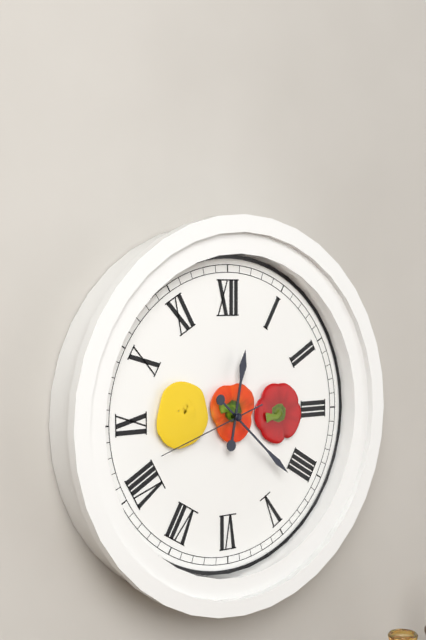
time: **12:22:42**
